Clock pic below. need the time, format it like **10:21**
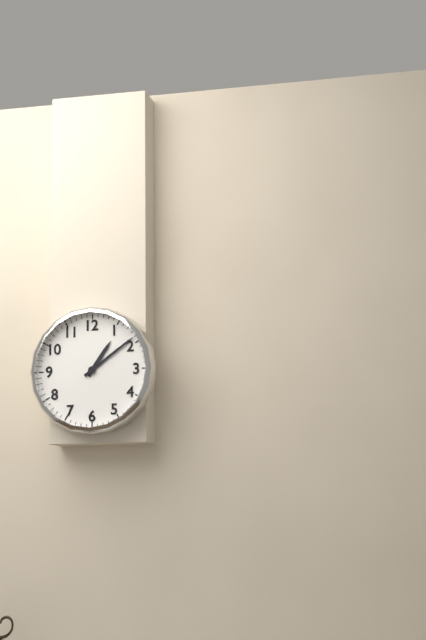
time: **1:09**
